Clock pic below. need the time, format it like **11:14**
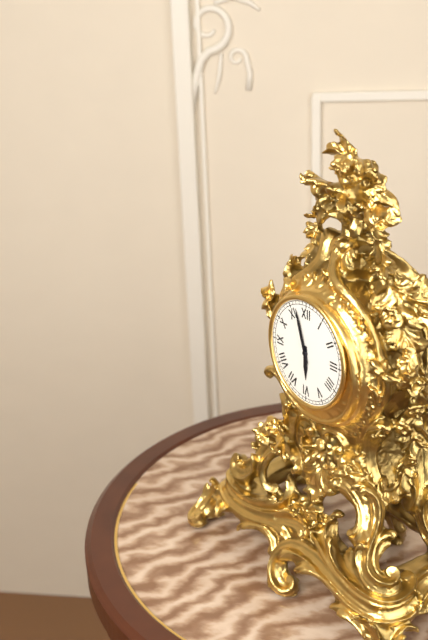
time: **5:57**
